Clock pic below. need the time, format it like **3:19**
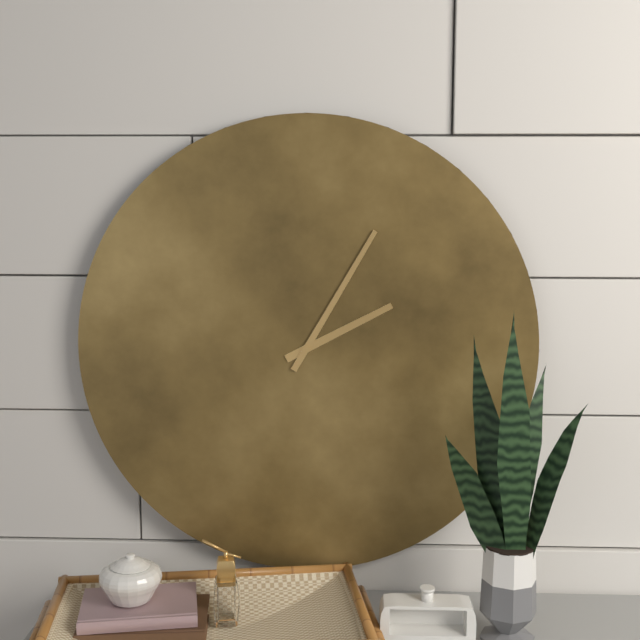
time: **2:05**
